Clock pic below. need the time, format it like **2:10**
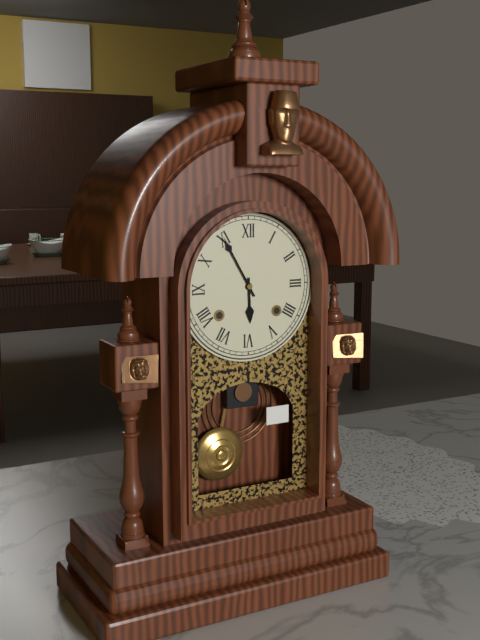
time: **5:55**
